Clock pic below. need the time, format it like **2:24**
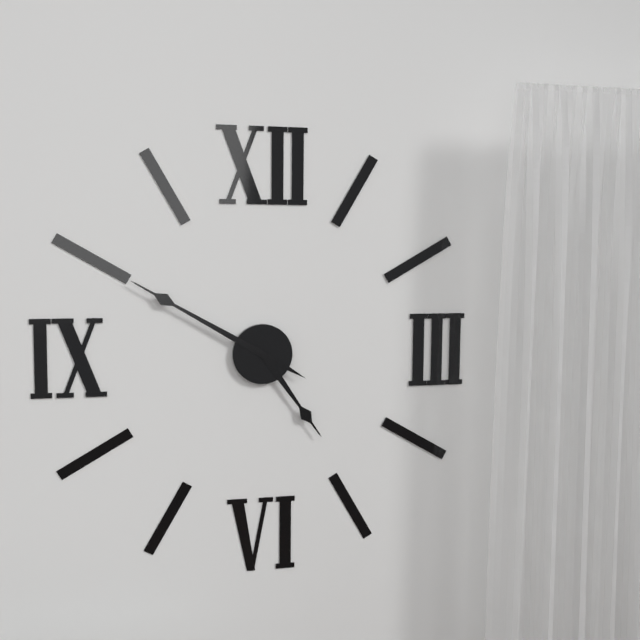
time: **4:50**
